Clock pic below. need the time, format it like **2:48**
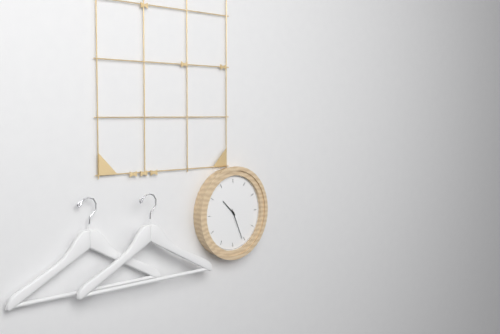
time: **10:26**
